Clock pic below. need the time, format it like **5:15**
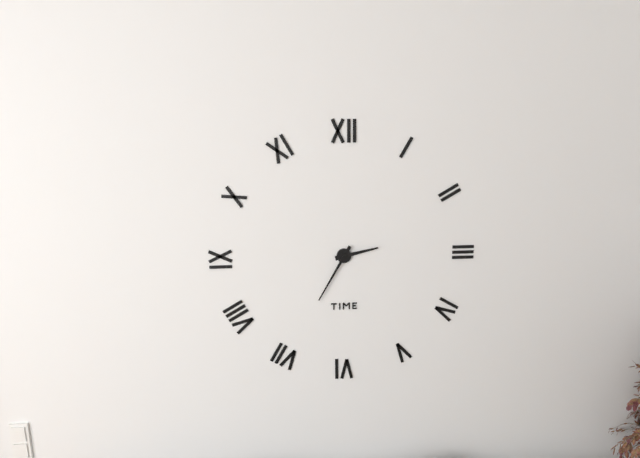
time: **2:35**
